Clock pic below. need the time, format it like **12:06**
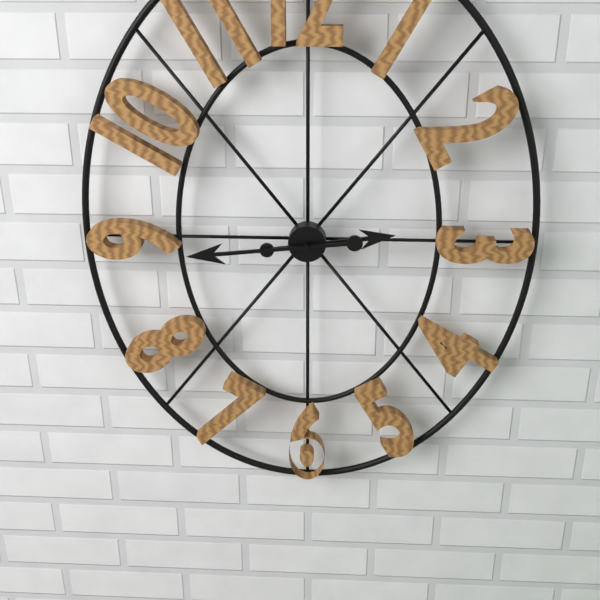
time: **2:44**
